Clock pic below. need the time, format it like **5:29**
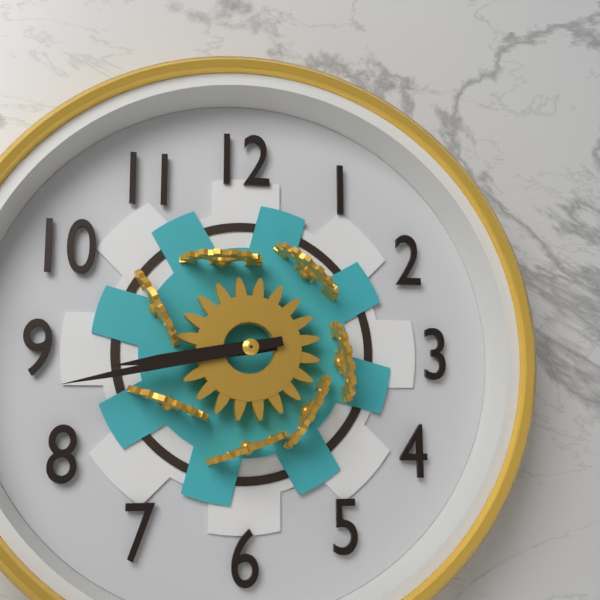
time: **8:43**
